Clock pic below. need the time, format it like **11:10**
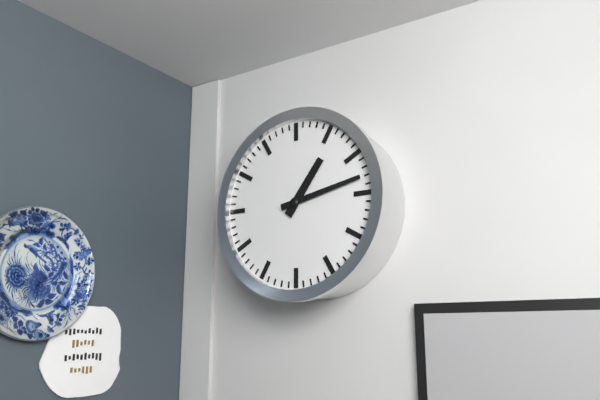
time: **1:13**
